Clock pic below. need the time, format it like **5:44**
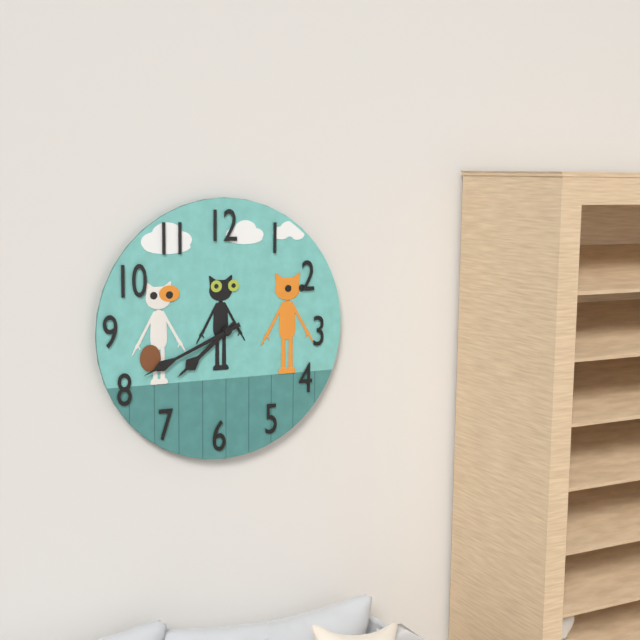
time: **7:41**
